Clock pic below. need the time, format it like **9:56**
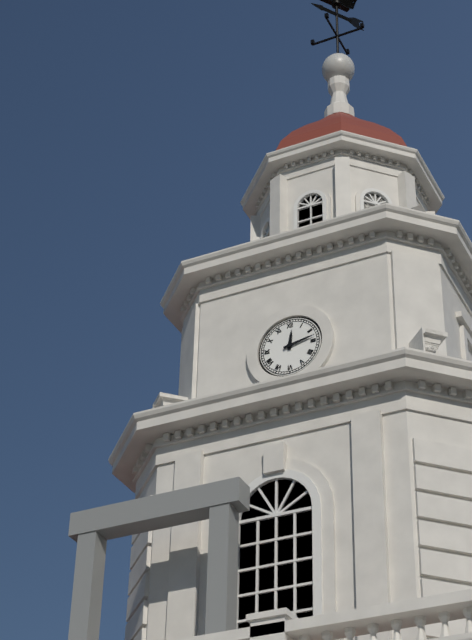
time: **12:13**
